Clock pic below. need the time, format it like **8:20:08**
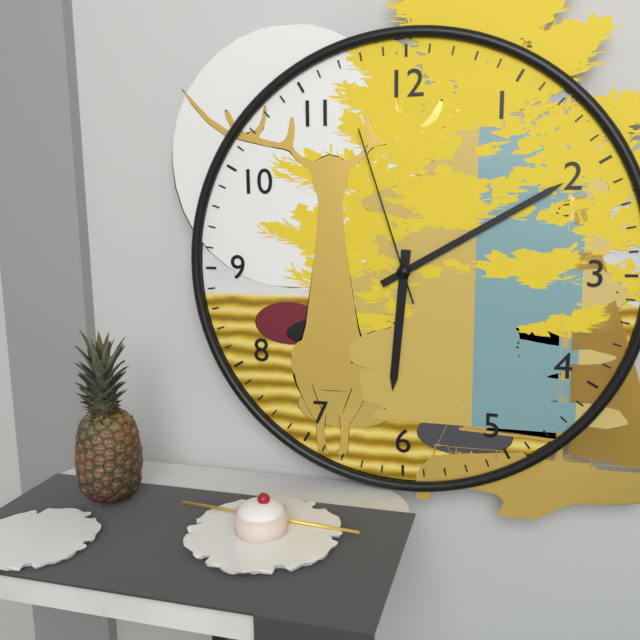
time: **6:10:57**
